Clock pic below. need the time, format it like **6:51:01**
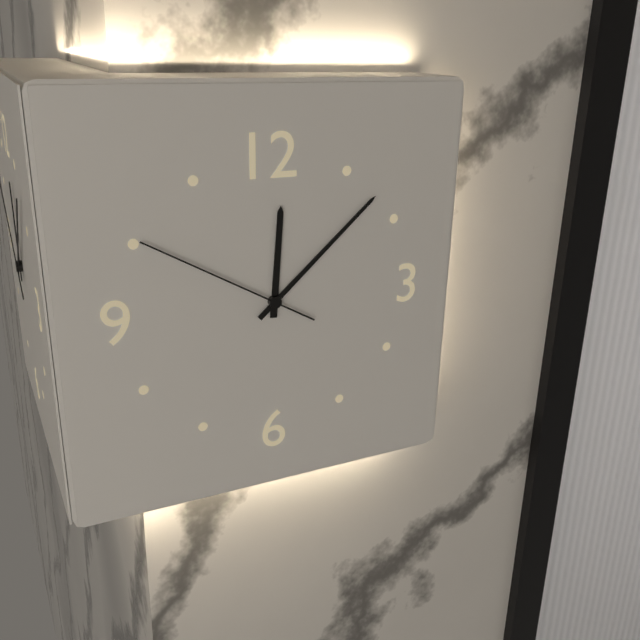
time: **12:08:50**
